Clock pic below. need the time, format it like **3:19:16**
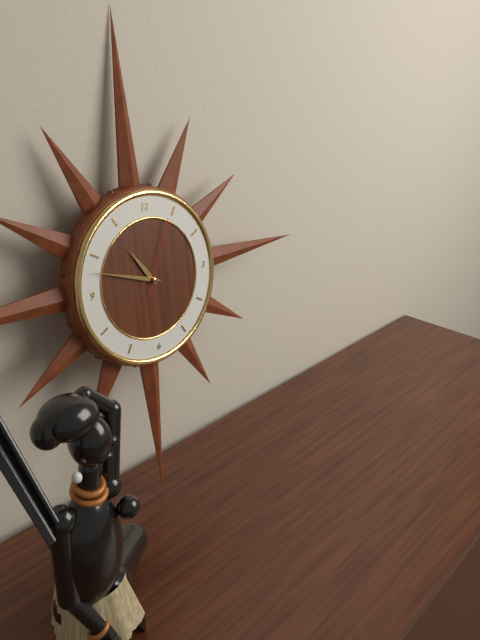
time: **10:48:04**
